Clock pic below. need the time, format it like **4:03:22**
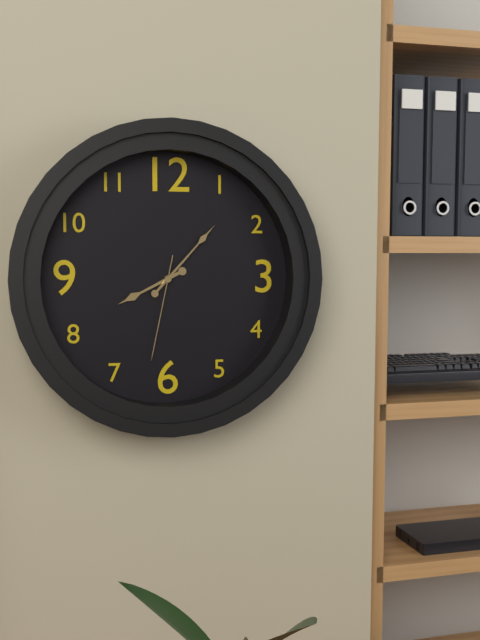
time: **8:07:32**
